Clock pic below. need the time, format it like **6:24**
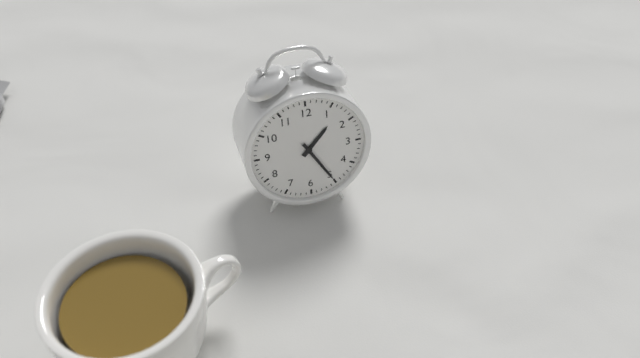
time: **1:25**
